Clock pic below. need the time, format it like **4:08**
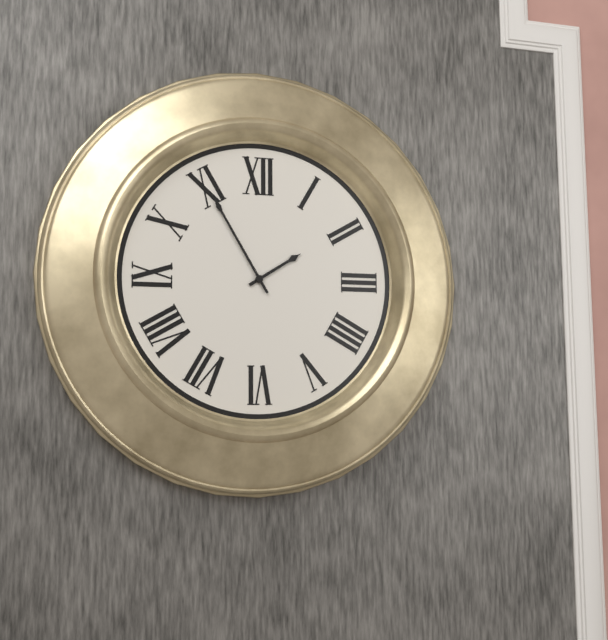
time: **1:55**
